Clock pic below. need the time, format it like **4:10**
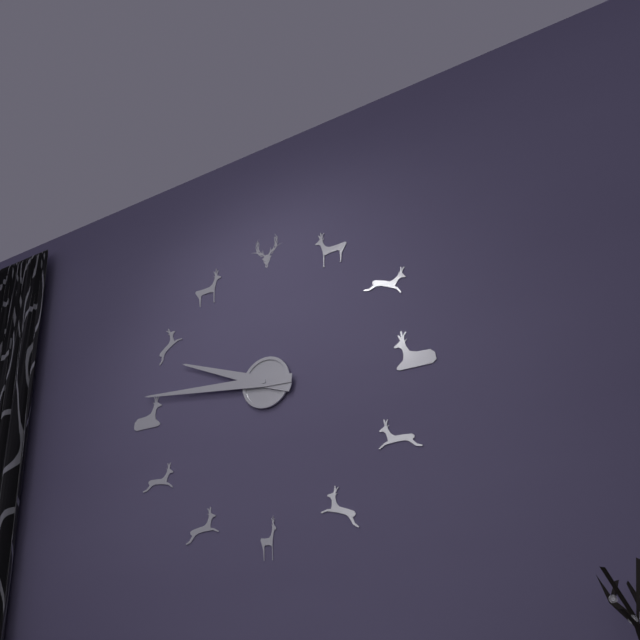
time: **9:46**
